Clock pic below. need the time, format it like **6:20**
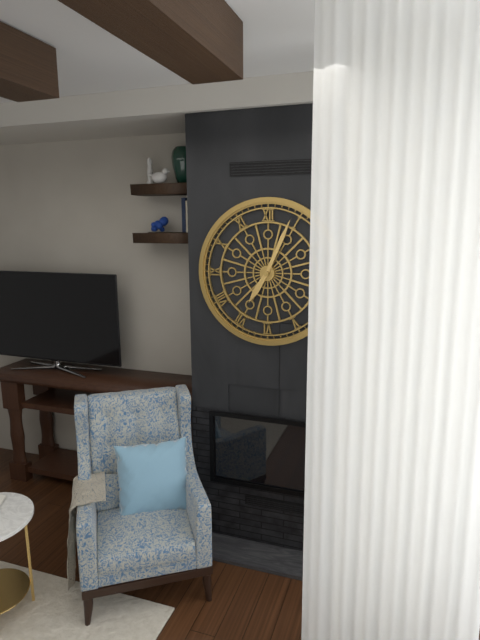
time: **7:04**
